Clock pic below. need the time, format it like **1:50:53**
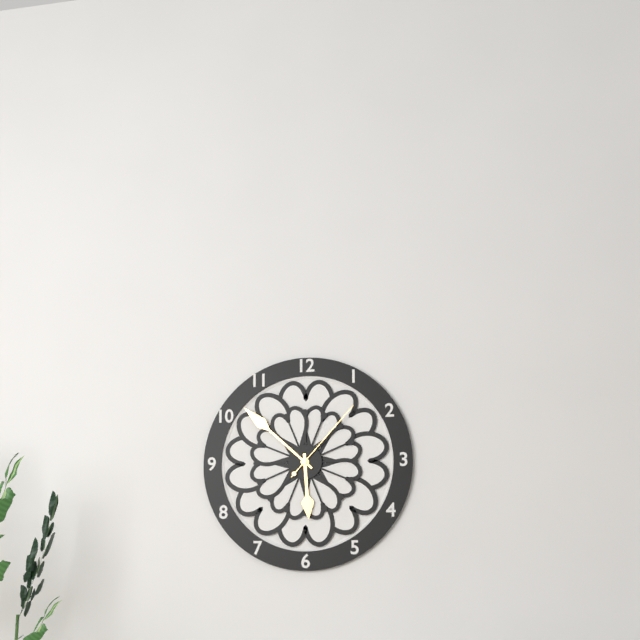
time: **5:52:07**
